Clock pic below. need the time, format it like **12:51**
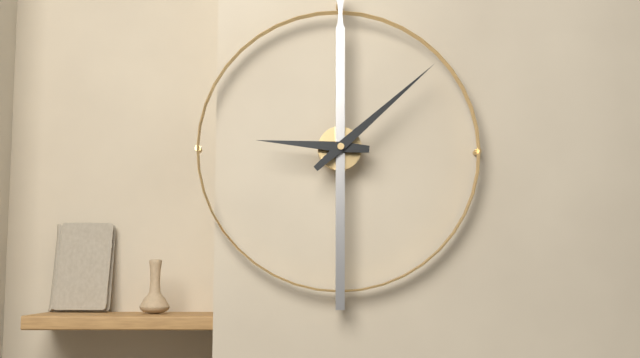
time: **9:08**
